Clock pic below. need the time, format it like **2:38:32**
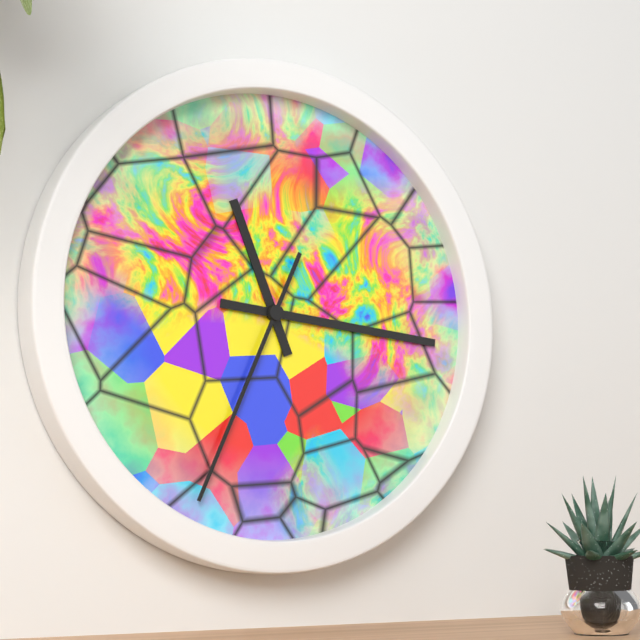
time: **11:16:34**
